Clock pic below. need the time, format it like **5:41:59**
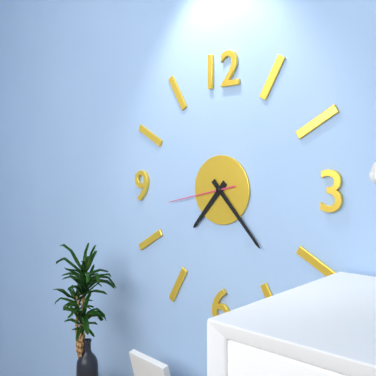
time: **7:23:43**
